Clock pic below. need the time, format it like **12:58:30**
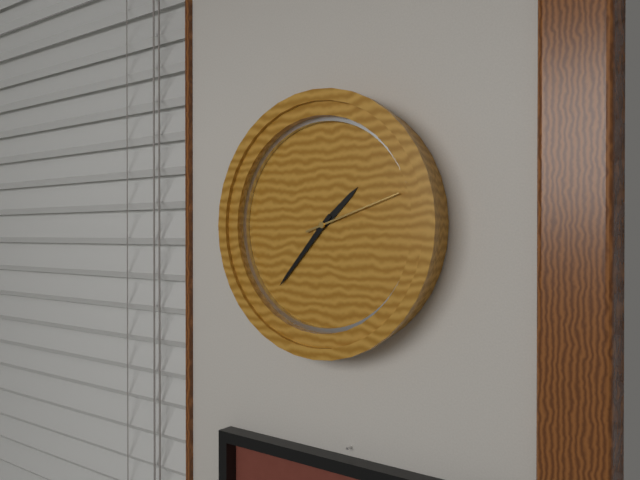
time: **1:37:12**
